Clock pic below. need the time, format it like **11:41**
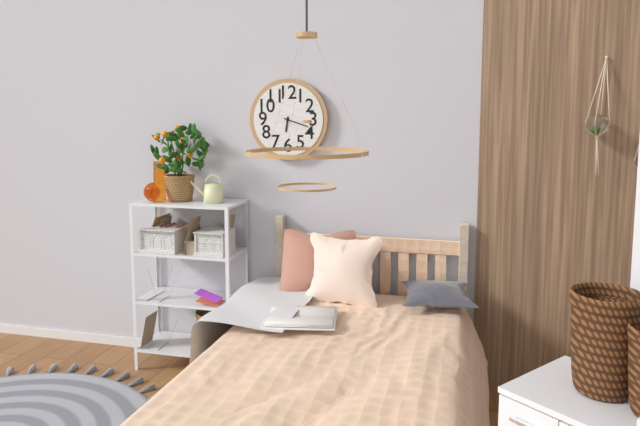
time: **6:18**
